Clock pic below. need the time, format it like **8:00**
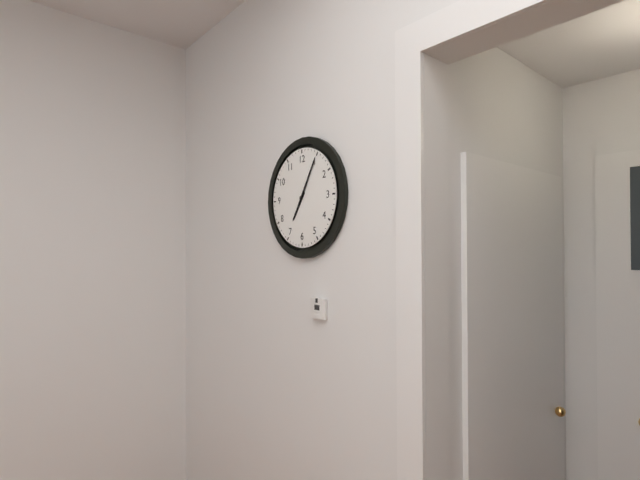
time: **7:05**
